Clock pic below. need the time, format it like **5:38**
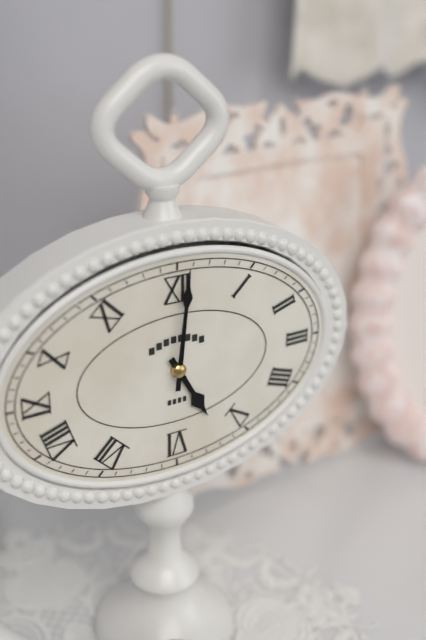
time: **5:01**
